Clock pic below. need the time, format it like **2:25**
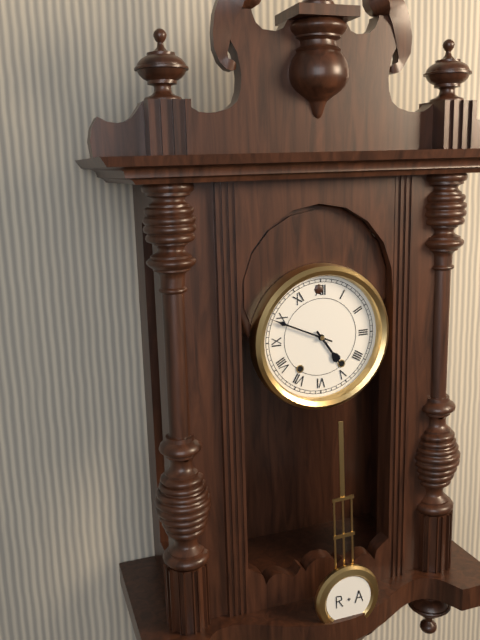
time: **4:49**
